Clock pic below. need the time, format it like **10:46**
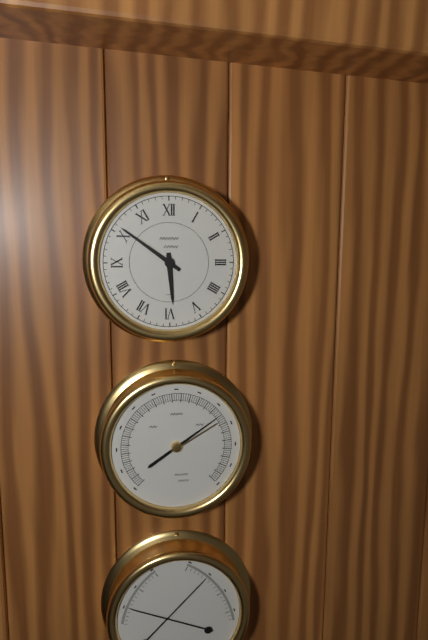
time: **5:51**
